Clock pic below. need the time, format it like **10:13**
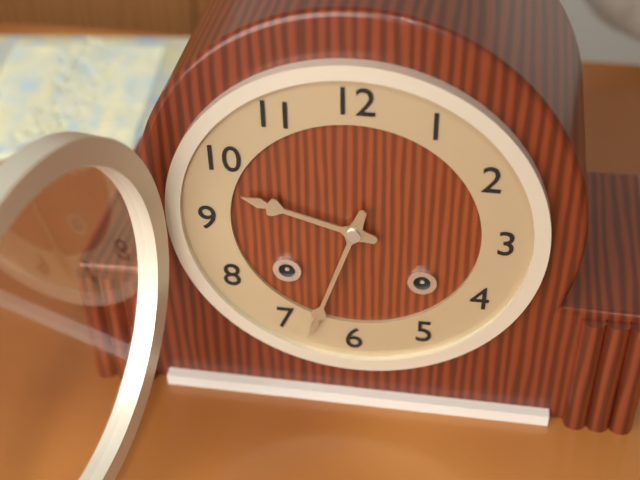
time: **9:33**
